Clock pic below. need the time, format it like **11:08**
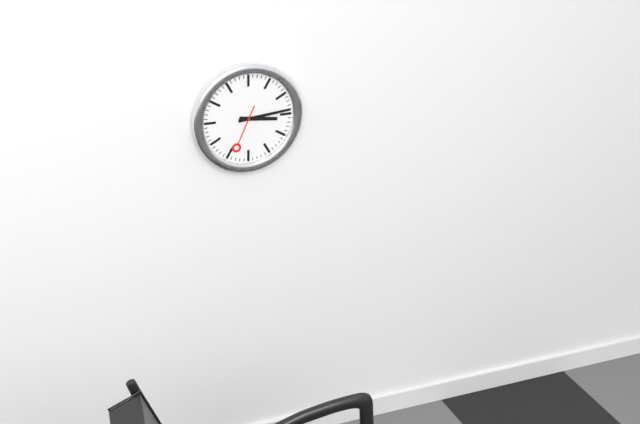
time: **3:14**
